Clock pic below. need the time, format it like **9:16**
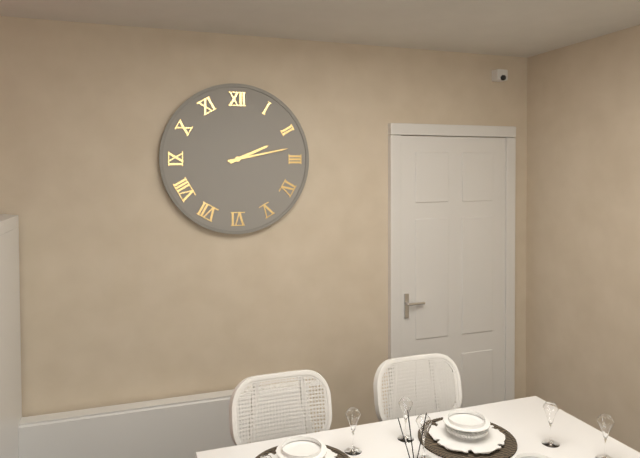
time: **2:13**
